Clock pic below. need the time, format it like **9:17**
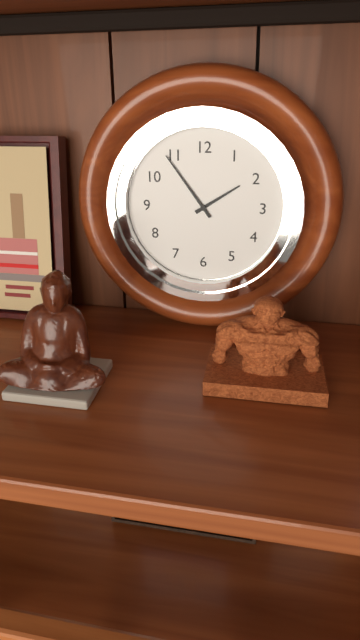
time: **1:54**
